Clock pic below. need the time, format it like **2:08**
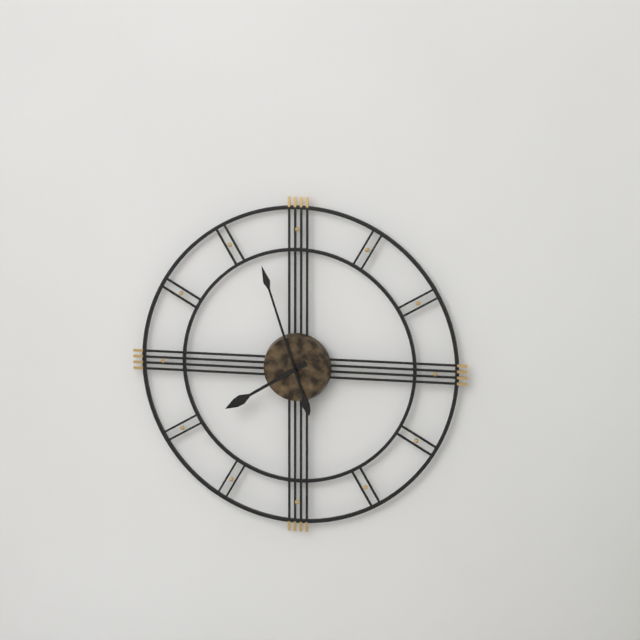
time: **7:57**
